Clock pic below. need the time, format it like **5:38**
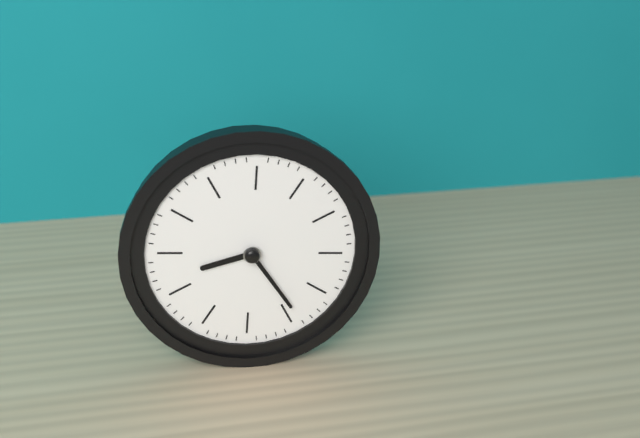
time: **8:24**
